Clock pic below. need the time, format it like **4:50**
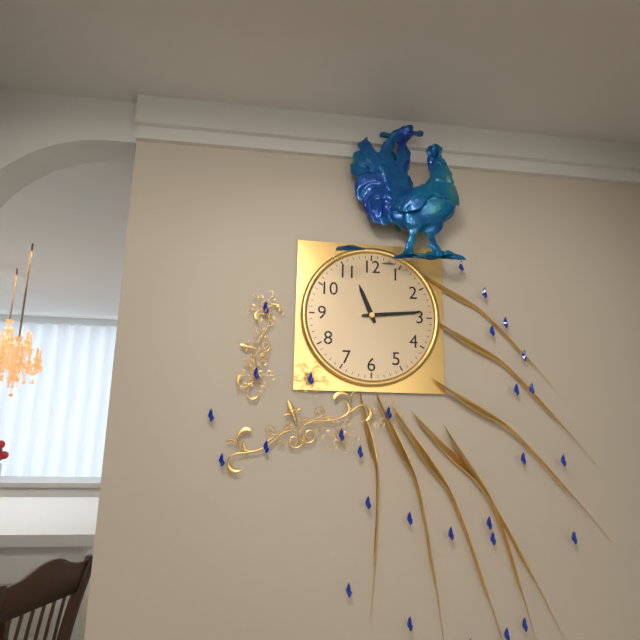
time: **11:14**
